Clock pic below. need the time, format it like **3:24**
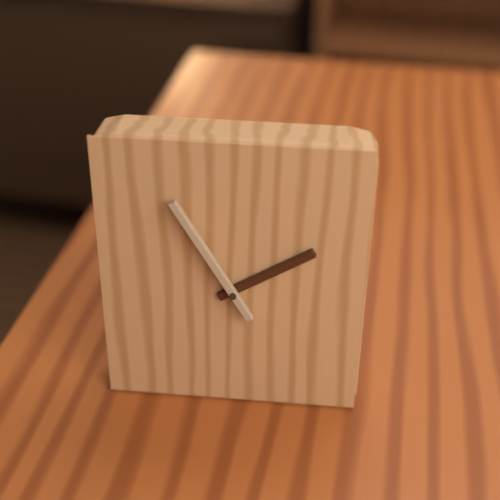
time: **1:55**
